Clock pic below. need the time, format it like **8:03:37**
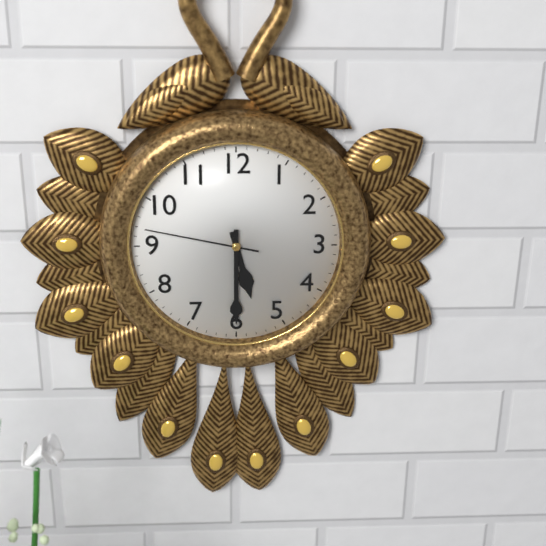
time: **5:30:47**
